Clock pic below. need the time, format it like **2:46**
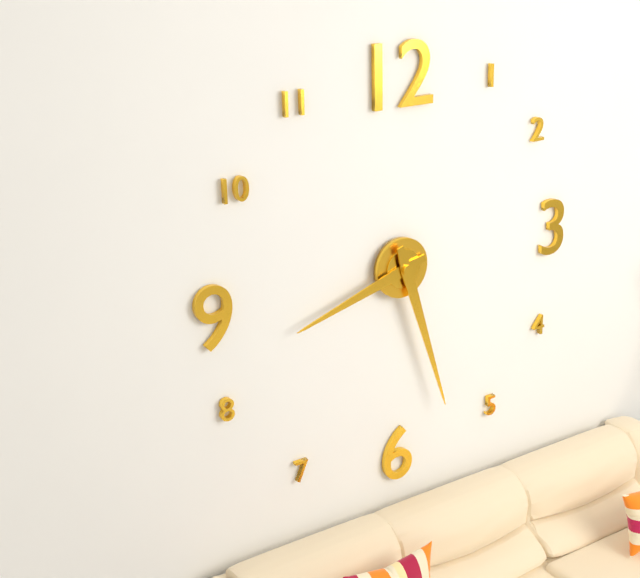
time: **8:27**
